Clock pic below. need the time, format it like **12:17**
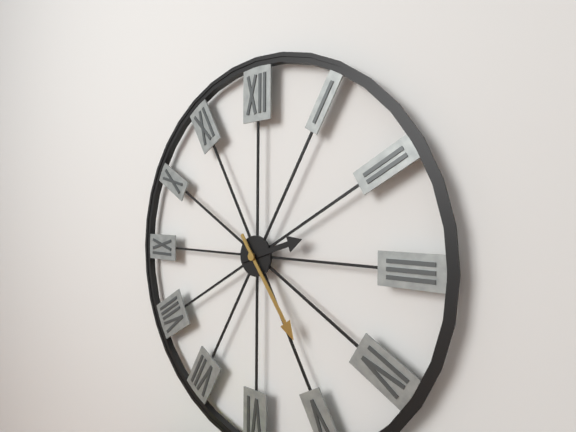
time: **2:24**
